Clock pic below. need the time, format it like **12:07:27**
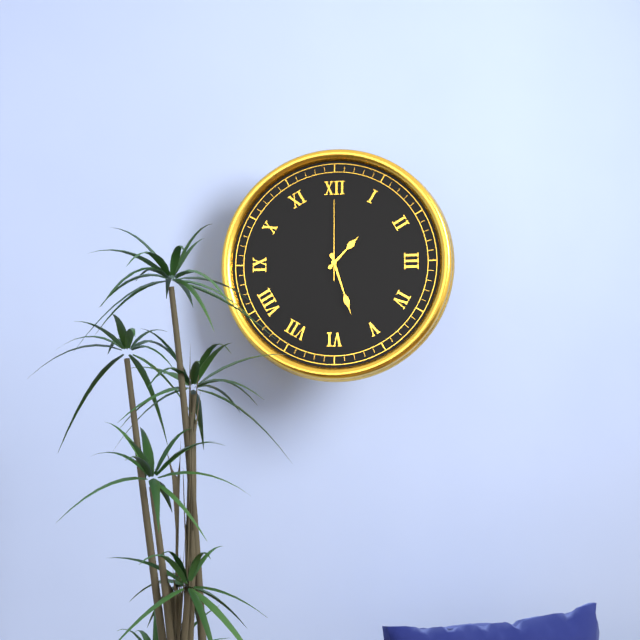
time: **1:27:00**
